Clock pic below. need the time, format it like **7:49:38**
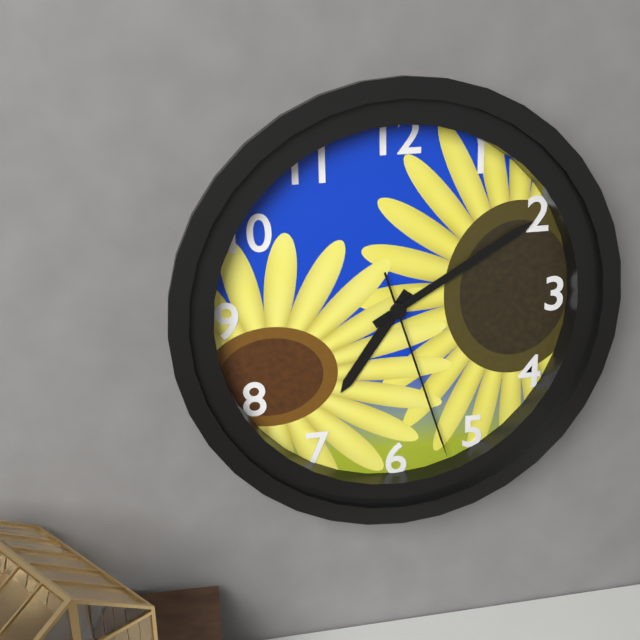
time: **7:10:27**
